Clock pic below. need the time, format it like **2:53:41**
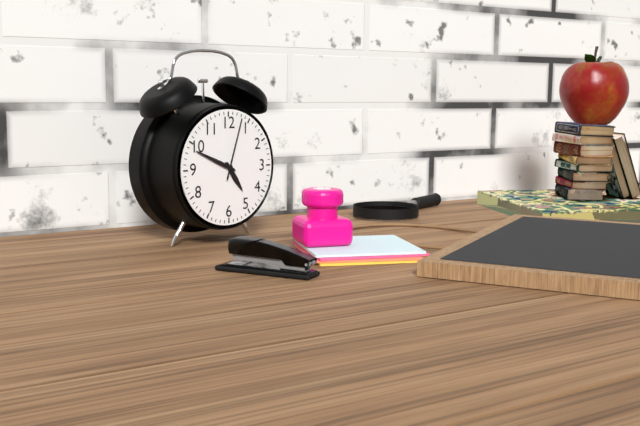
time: **4:49:03**
